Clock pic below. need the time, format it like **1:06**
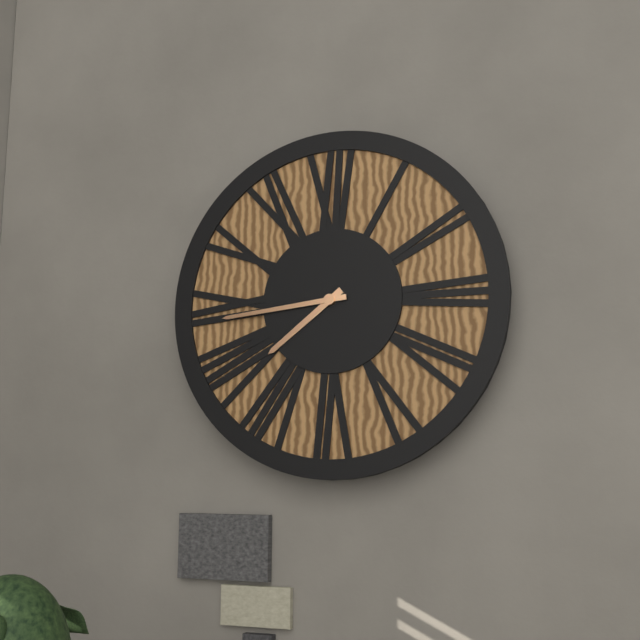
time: **7:44**
